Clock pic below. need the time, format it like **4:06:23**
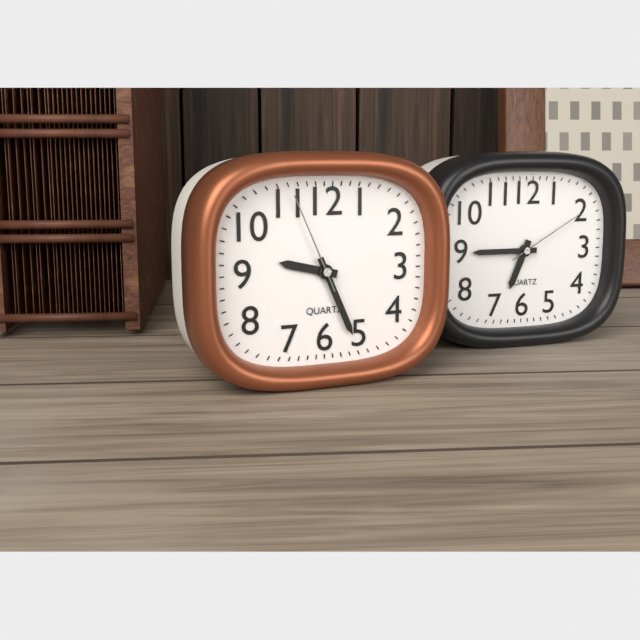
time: **9:26:56**
